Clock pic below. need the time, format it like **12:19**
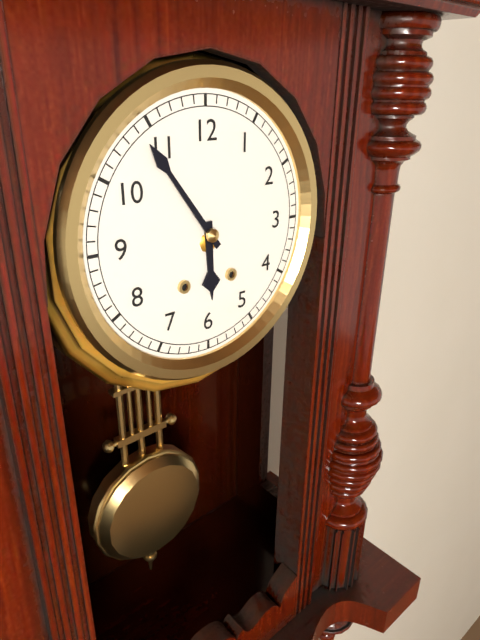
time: **5:54**
